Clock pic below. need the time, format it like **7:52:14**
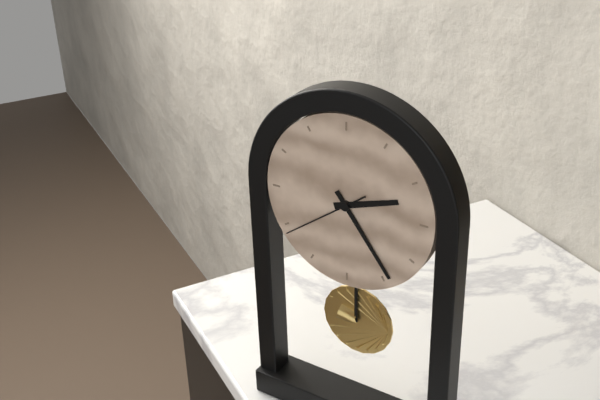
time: **2:24:39**
